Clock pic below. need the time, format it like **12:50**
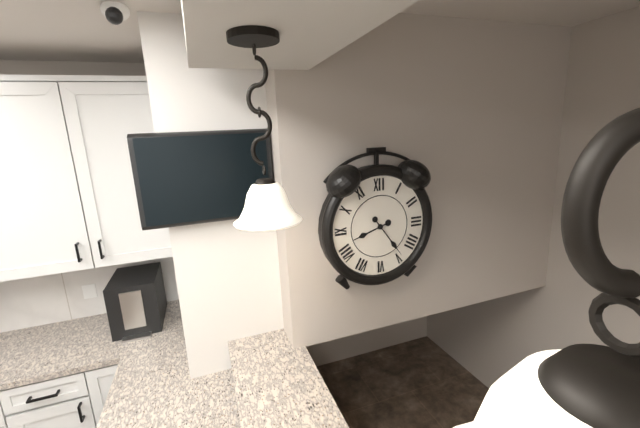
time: **8:24**
